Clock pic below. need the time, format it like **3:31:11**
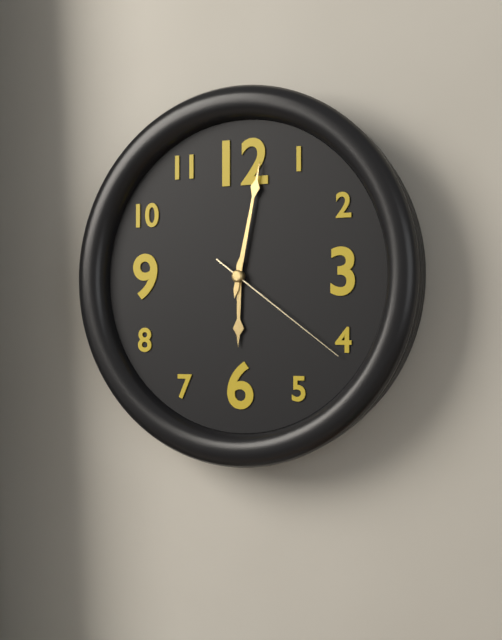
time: **6:02:21**
